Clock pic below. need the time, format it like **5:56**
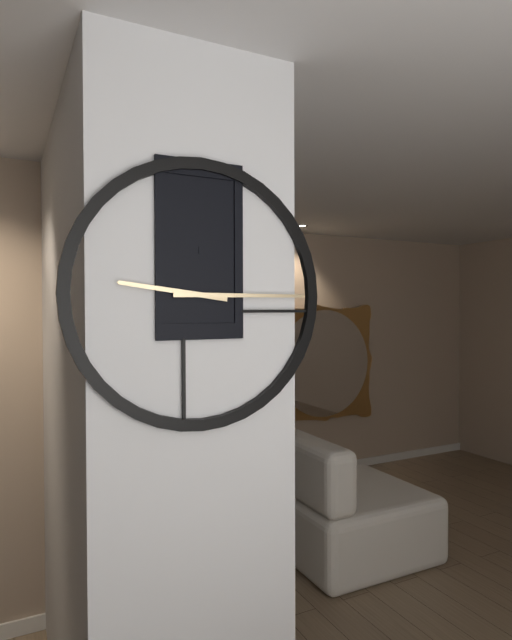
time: **9:15**
